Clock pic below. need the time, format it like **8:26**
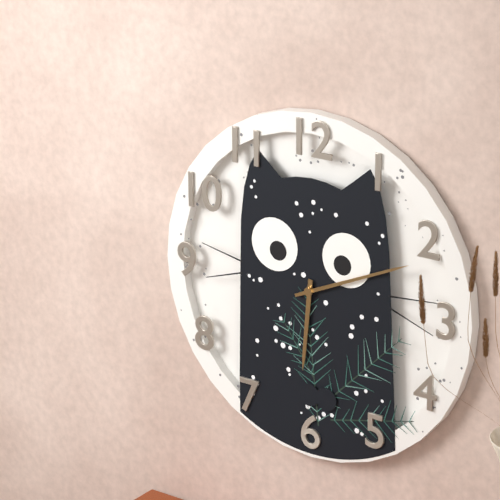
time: **6:11**
